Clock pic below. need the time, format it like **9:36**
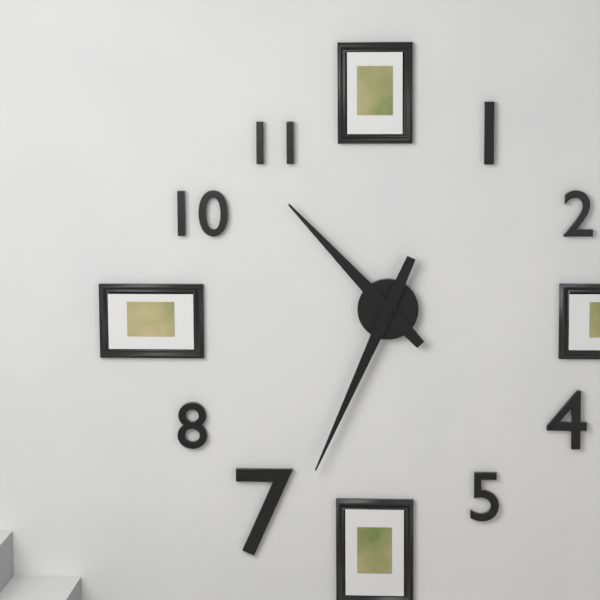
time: **10:34**
